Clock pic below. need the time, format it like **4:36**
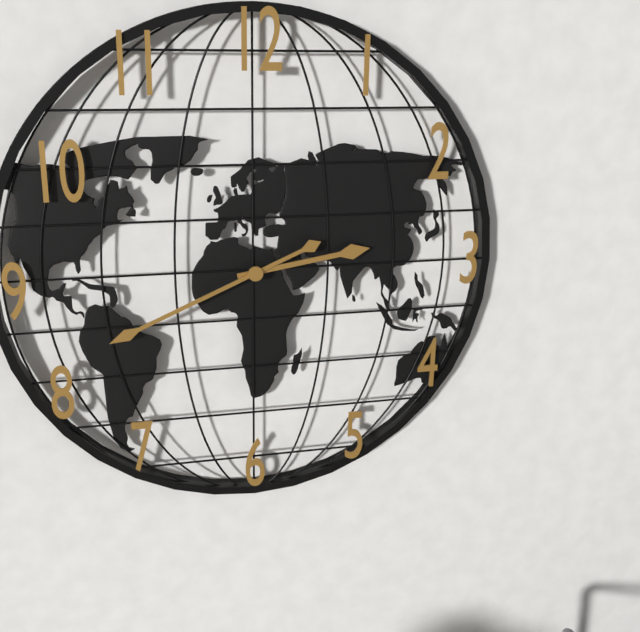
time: **2:41**
